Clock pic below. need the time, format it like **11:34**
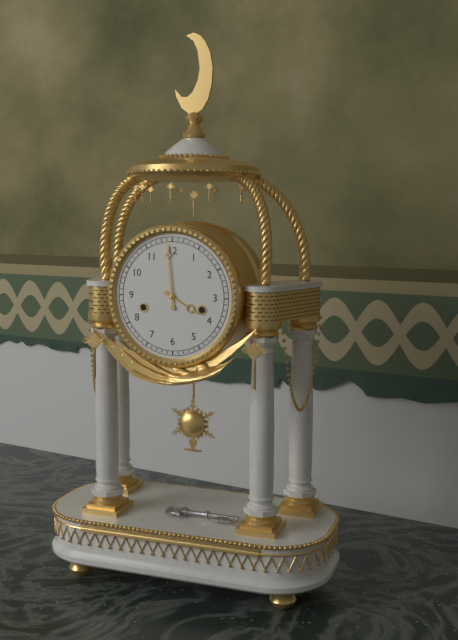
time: **3:59**
